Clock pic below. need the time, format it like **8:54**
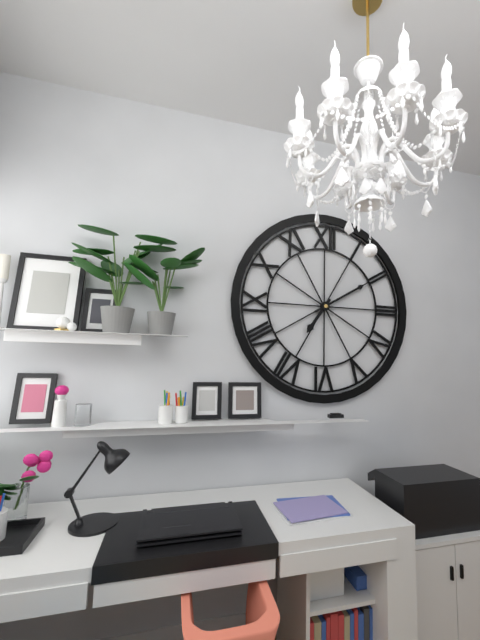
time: **7:10**
